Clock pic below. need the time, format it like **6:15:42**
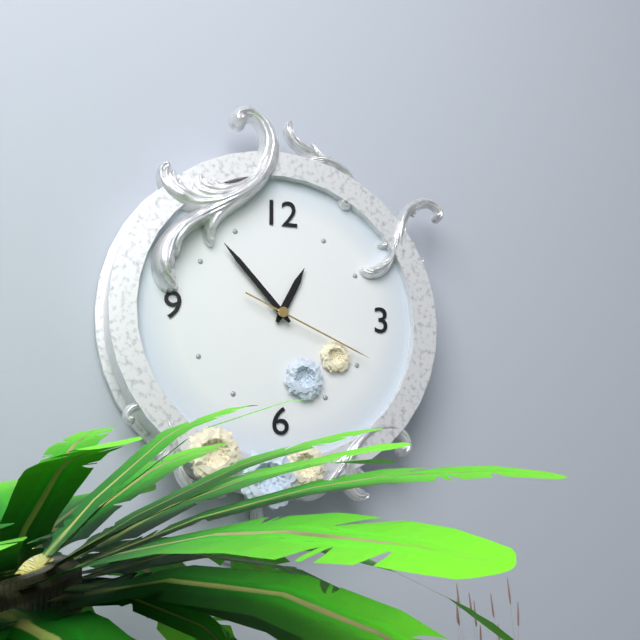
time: **12:53:19**
